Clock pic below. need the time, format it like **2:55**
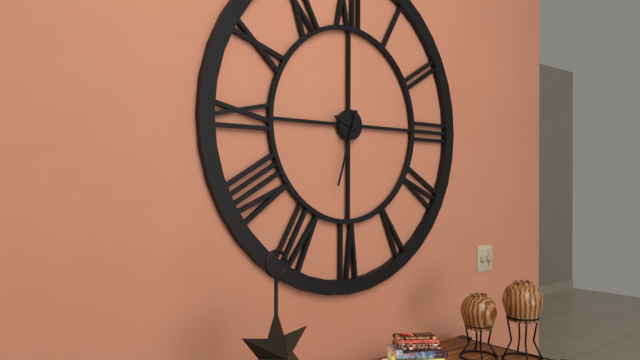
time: **9:33**
